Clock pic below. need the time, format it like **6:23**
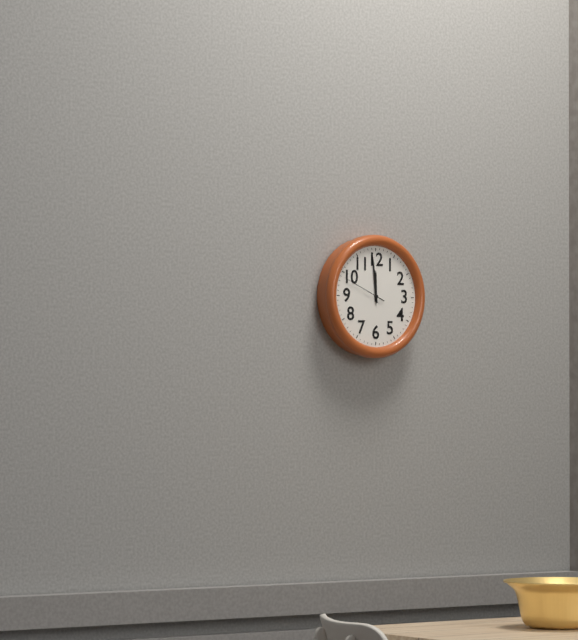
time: **11:59**
